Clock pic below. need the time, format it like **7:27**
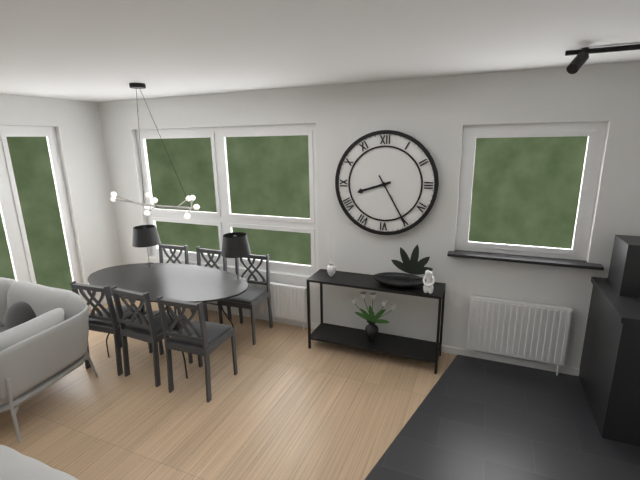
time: **8:25**
